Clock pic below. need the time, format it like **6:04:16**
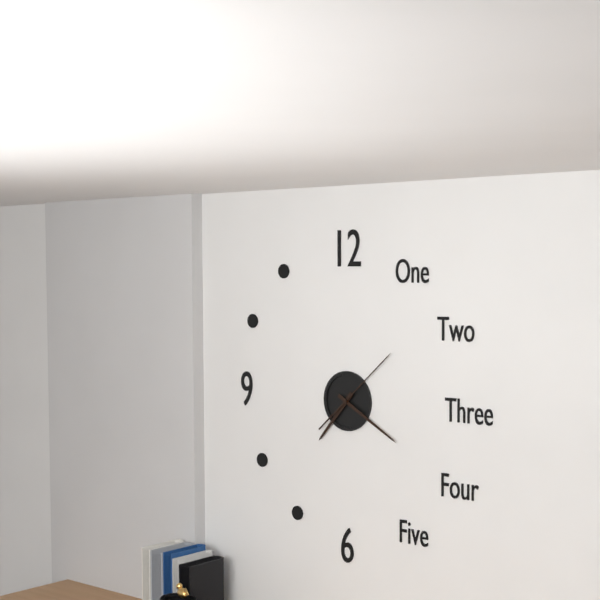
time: **7:20:08**
